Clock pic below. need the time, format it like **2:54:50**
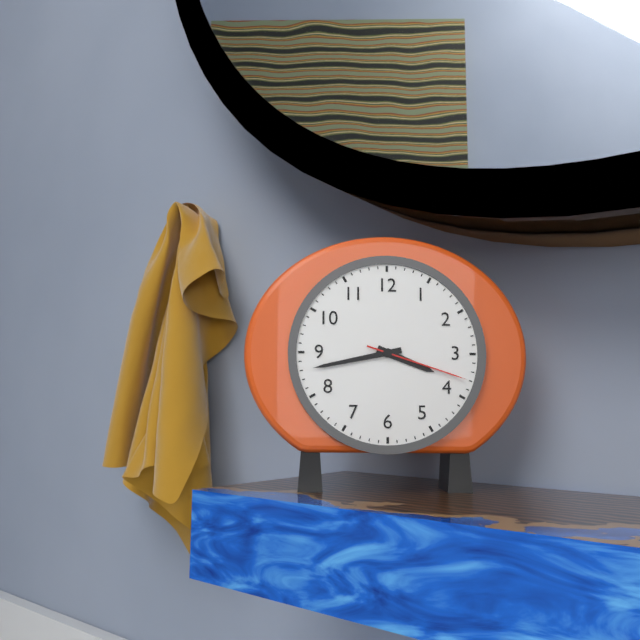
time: **3:43:18**
